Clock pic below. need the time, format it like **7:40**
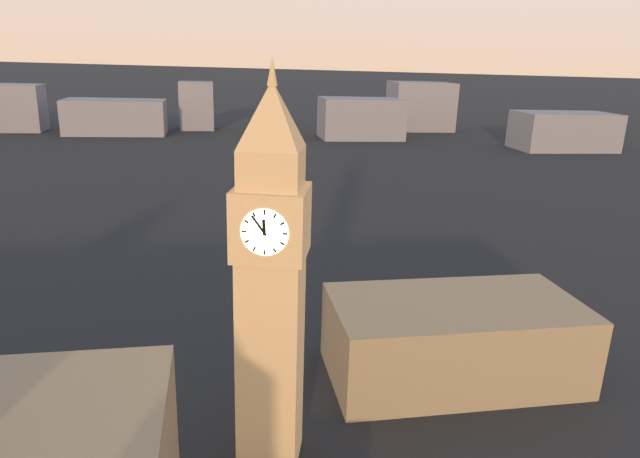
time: **11:54**
